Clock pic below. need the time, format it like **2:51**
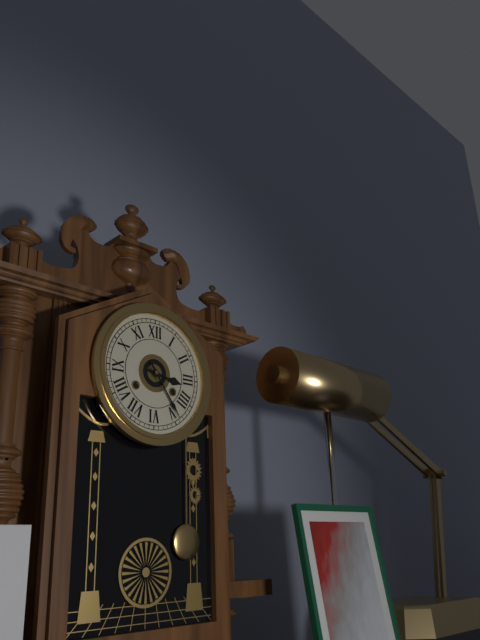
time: **3:24**
